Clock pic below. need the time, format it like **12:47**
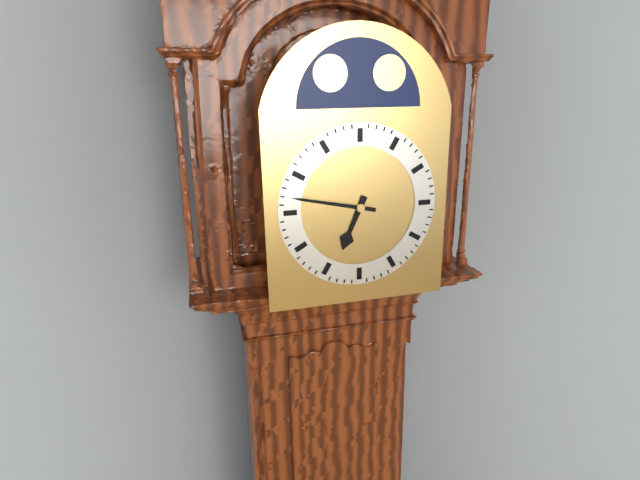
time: **6:47**
